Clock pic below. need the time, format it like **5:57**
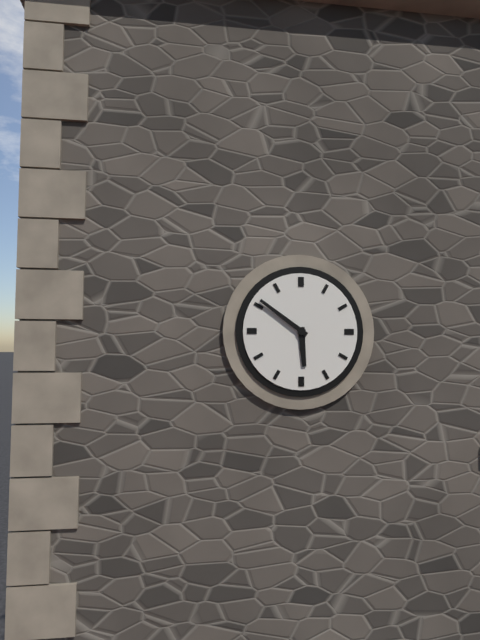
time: **5:51**
